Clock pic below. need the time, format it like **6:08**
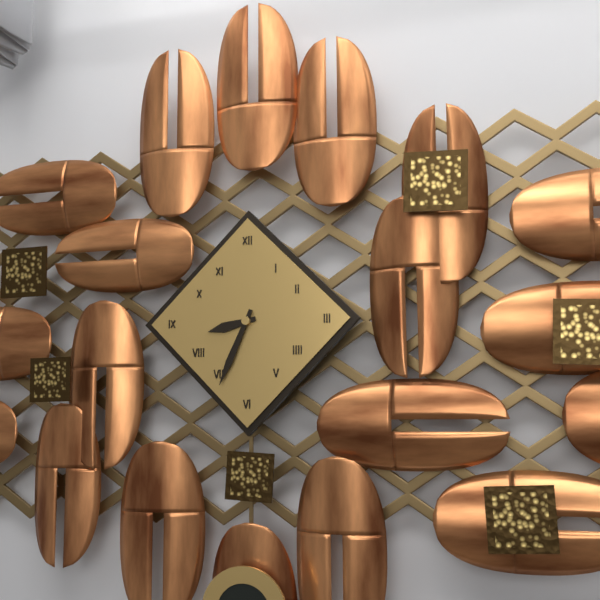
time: **8:34**
